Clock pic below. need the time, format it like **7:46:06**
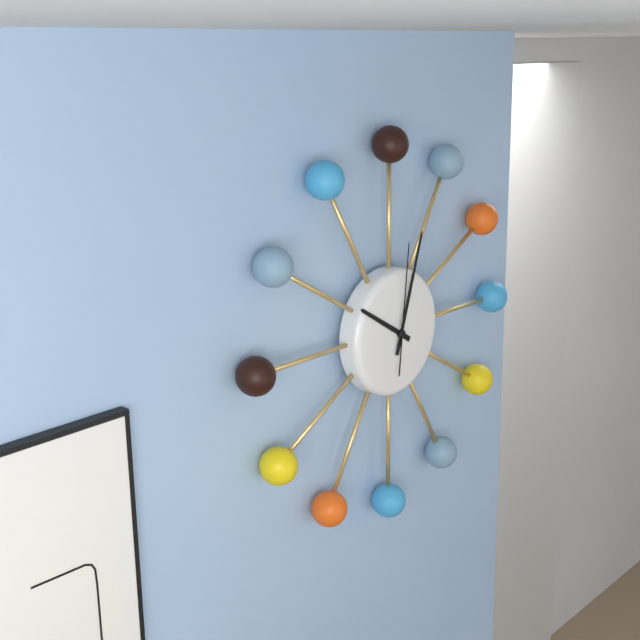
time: **10:03:01**
